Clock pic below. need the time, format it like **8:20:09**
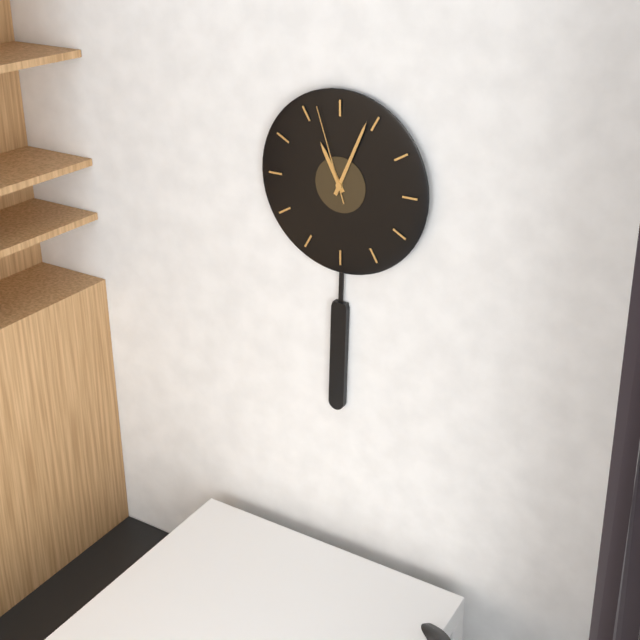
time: **11:04:57**
